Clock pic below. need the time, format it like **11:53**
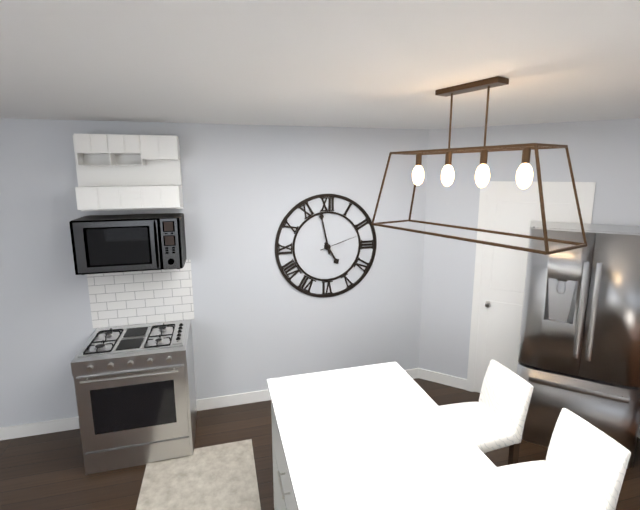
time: **4:58**
